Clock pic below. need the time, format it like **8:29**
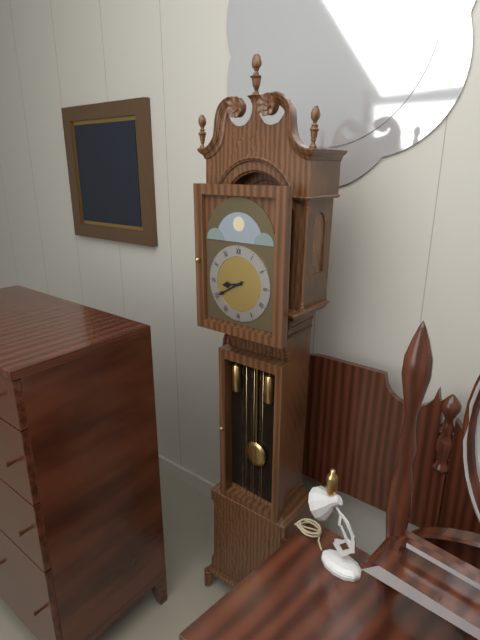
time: **8:40**
